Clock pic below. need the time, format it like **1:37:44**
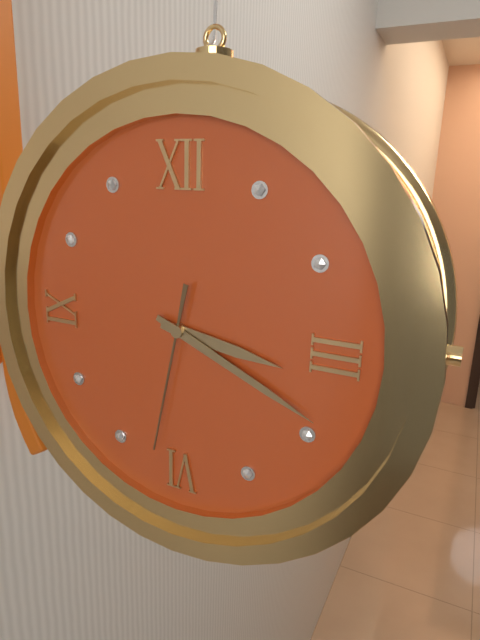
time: **3:19:32**
